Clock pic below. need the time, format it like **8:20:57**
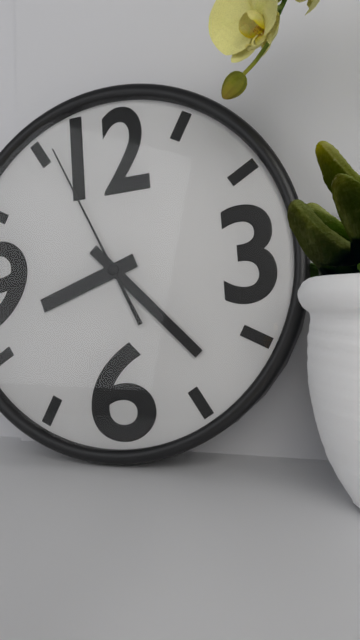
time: **8:23:56**
